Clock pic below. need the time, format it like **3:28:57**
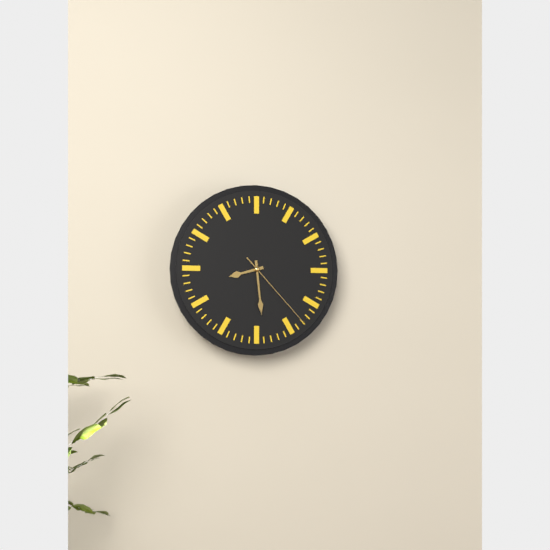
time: **8:29:23**
